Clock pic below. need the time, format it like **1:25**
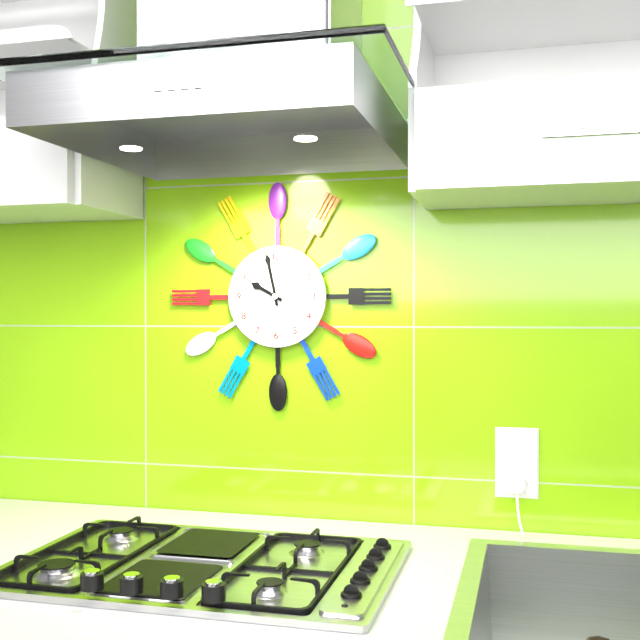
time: **9:58**
